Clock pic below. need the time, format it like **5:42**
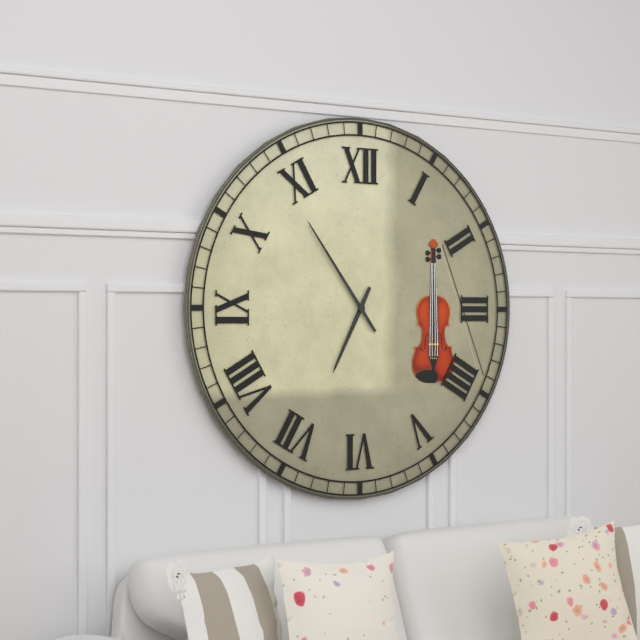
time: **6:54**
